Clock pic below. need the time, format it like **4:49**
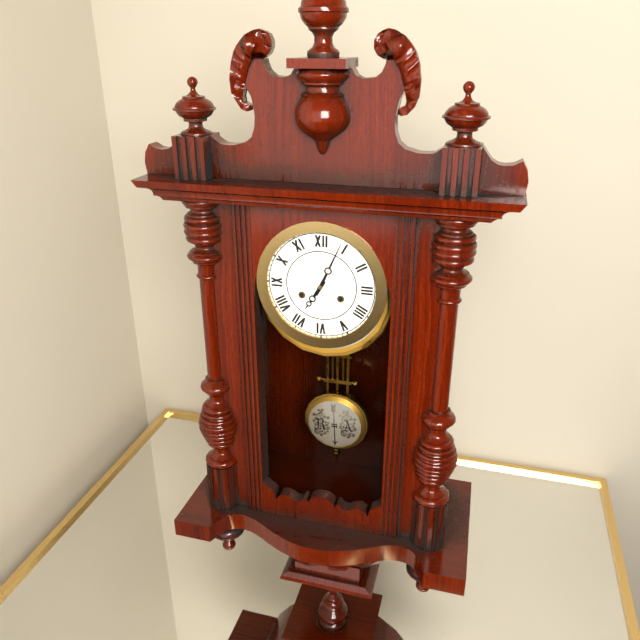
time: **7:04**
